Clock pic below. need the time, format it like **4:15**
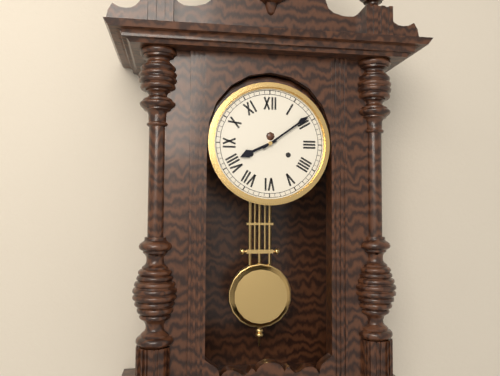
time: **8:09**
